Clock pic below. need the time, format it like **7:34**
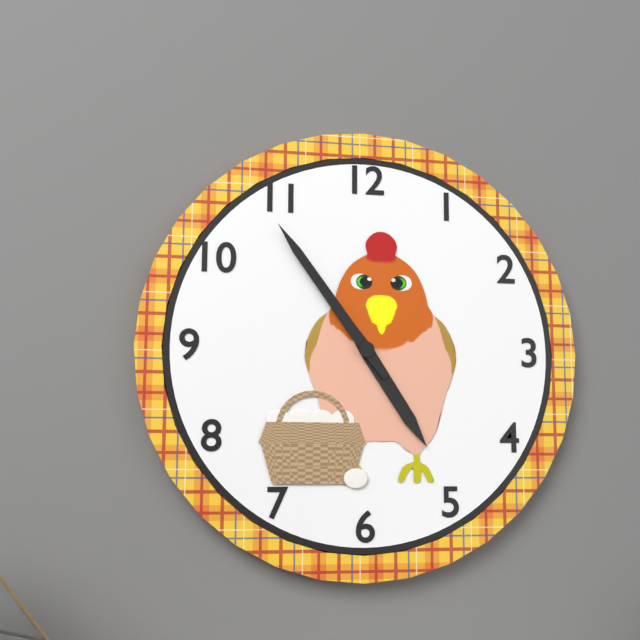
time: **4:54**
